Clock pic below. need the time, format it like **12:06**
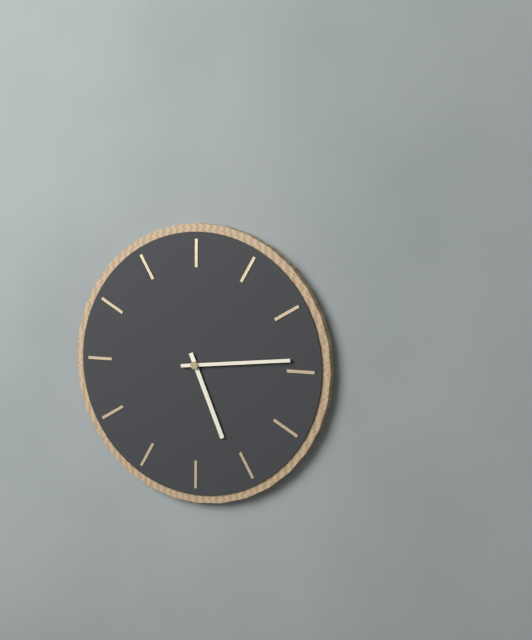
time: **5:14**
